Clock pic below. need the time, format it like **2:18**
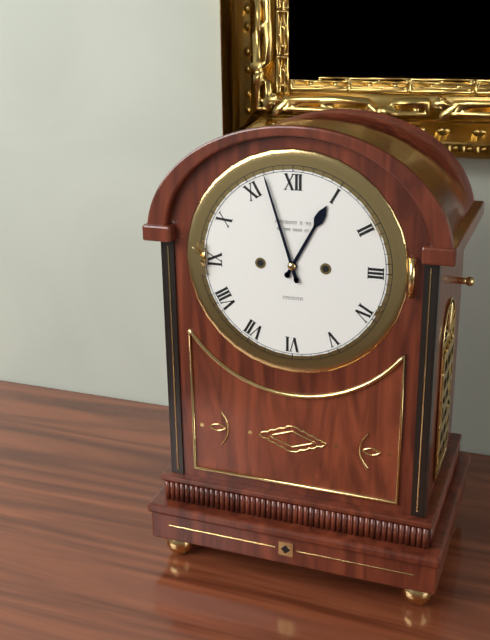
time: **12:57**
